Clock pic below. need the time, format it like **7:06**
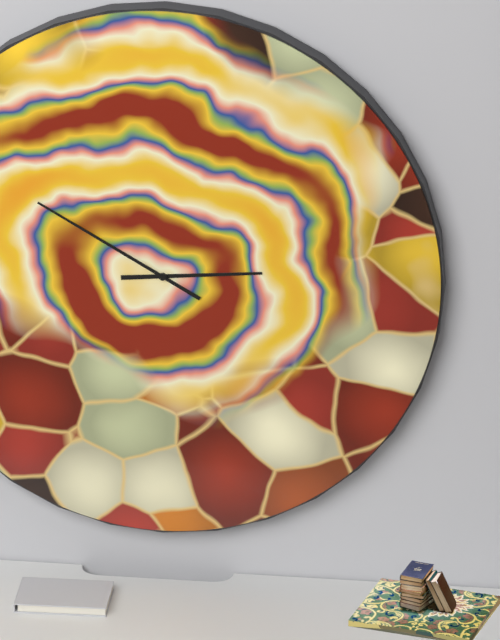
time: **2:50**
